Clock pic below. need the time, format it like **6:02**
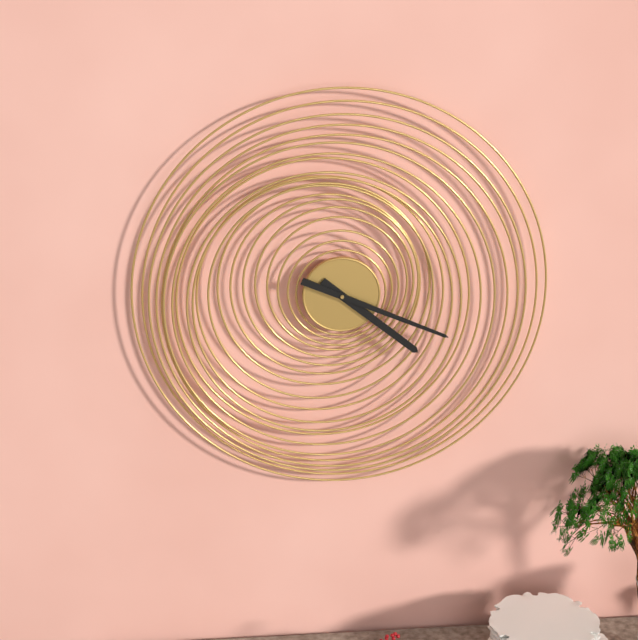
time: **4:19**
